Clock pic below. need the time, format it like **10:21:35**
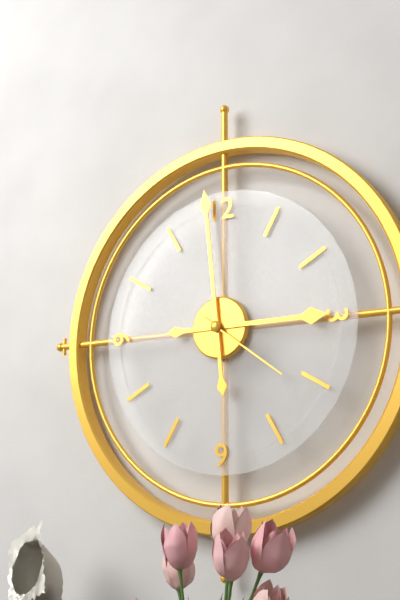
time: **2:59:21**
